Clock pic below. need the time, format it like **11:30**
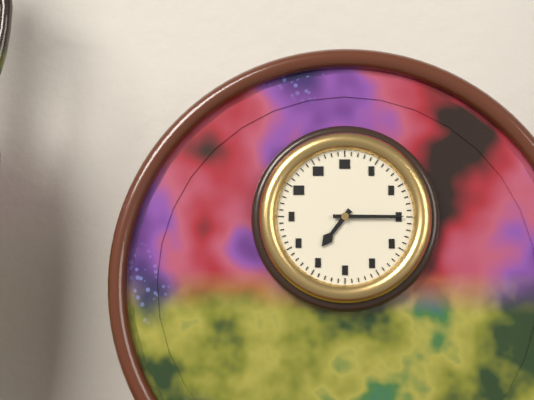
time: **7:15**
